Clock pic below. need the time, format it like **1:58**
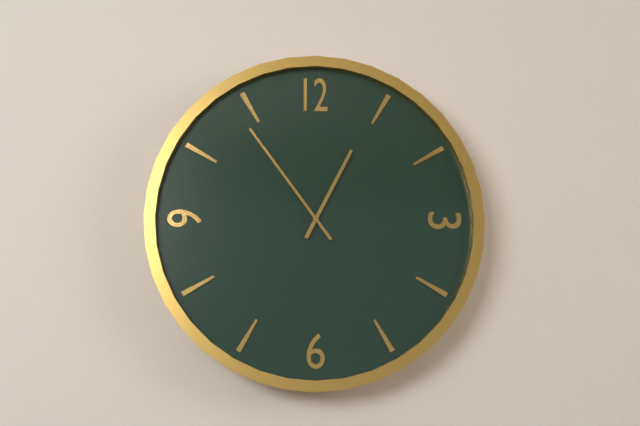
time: **12:54**
